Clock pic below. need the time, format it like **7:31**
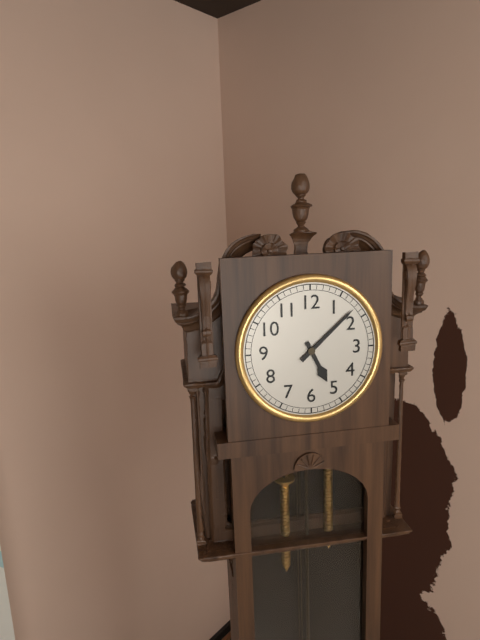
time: **5:08**
